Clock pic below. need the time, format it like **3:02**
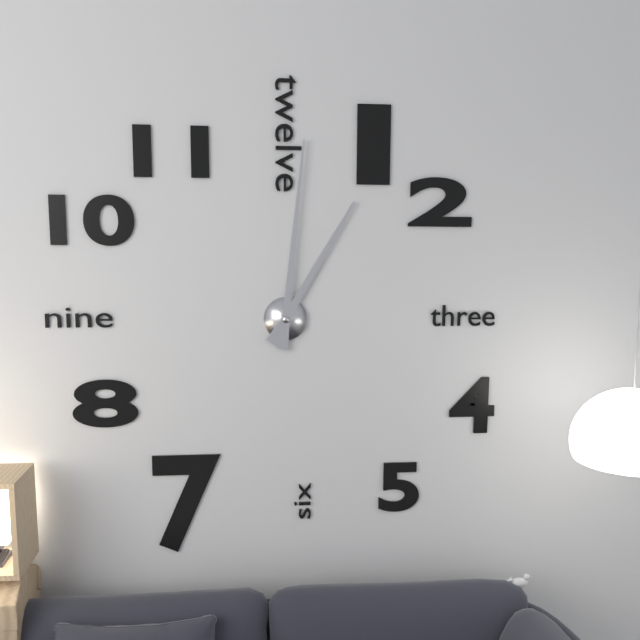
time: **1:01**
